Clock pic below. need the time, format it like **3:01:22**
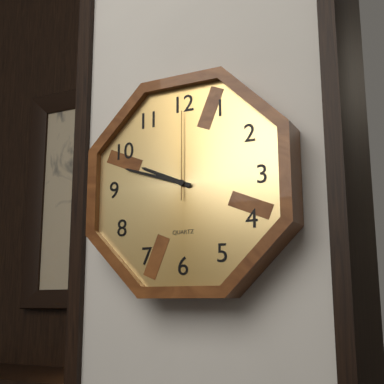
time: **9:48:00**
